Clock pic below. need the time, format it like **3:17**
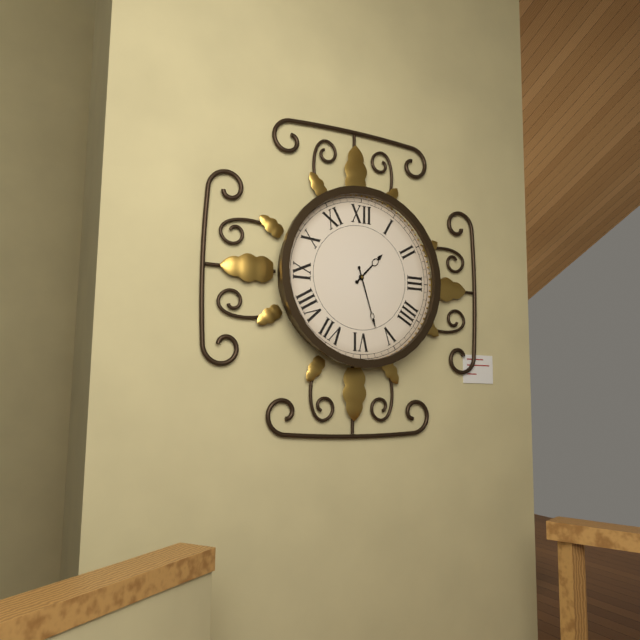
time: **1:27**
